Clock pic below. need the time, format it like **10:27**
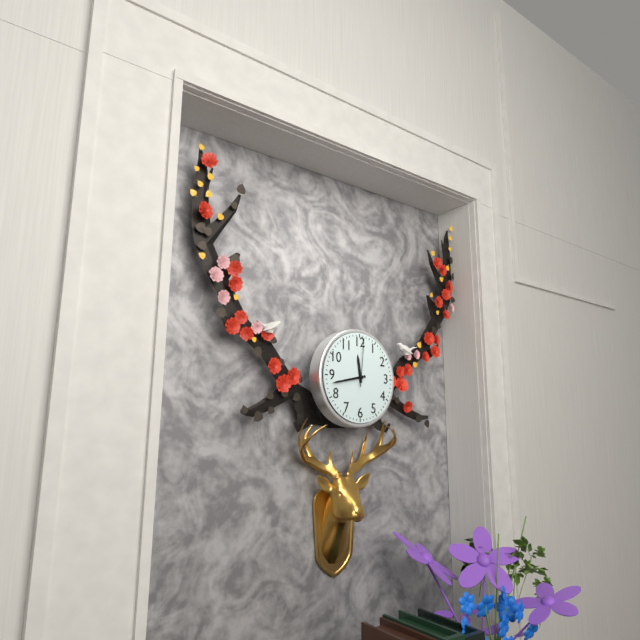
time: **11:43**
